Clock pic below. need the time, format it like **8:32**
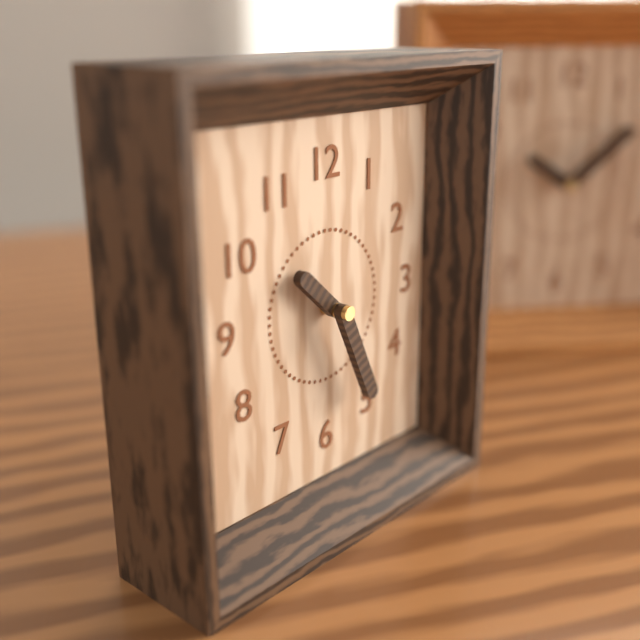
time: **10:26**
